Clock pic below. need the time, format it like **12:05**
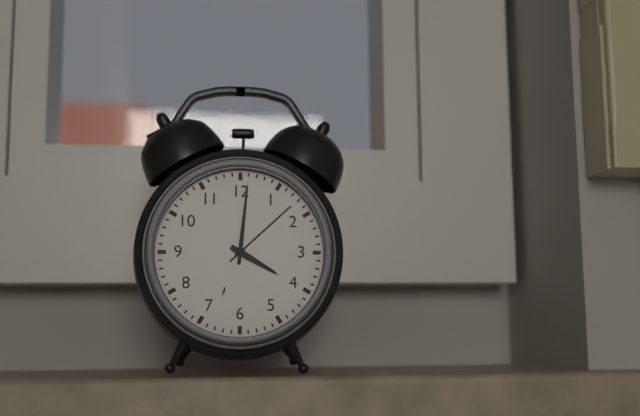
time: **4:01**
